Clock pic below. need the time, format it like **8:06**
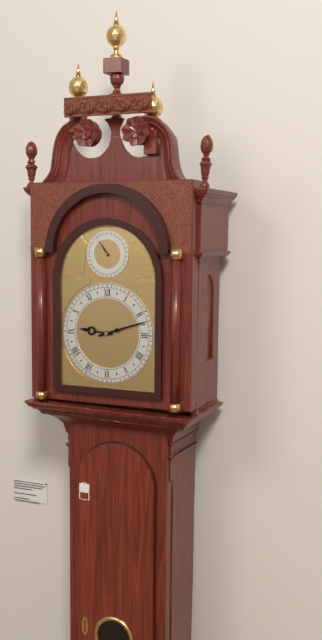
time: **9:12**
